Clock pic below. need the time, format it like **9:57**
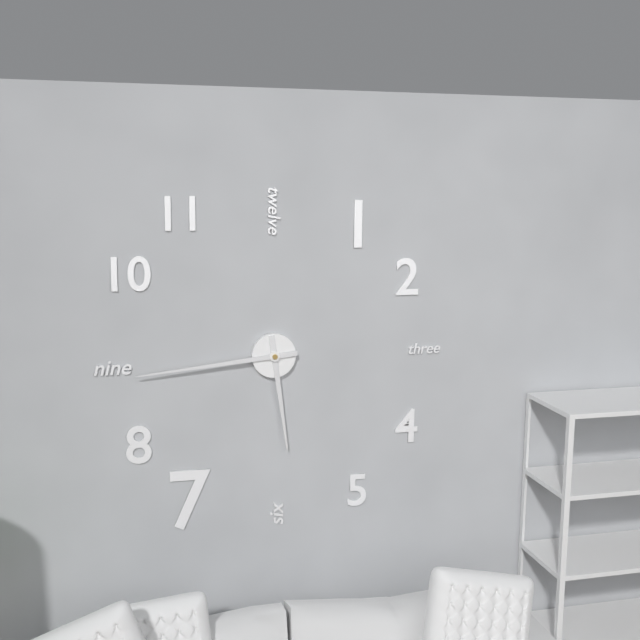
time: **5:44**
